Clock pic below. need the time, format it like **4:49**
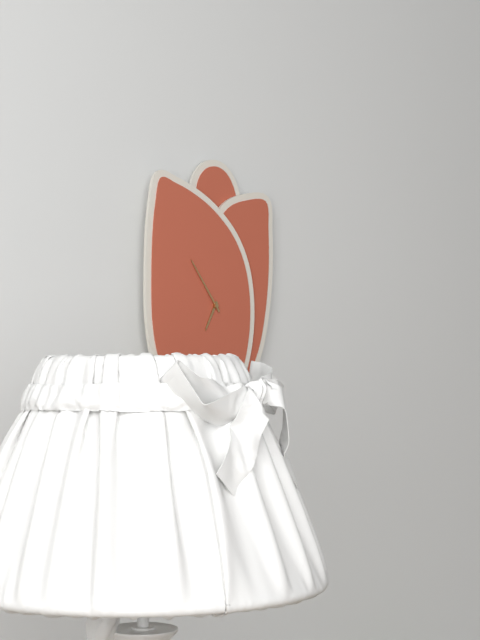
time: **6:54**
